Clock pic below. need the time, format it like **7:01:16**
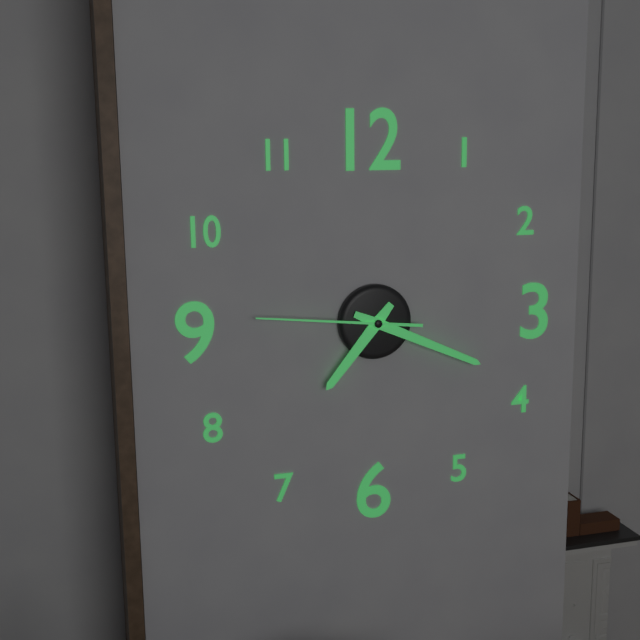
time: **7:19:46**
